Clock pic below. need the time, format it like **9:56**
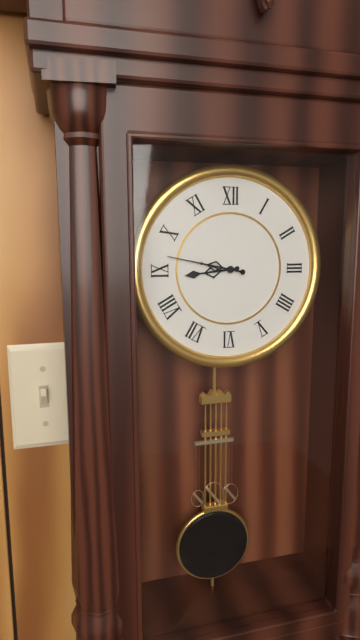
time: **8:47**
